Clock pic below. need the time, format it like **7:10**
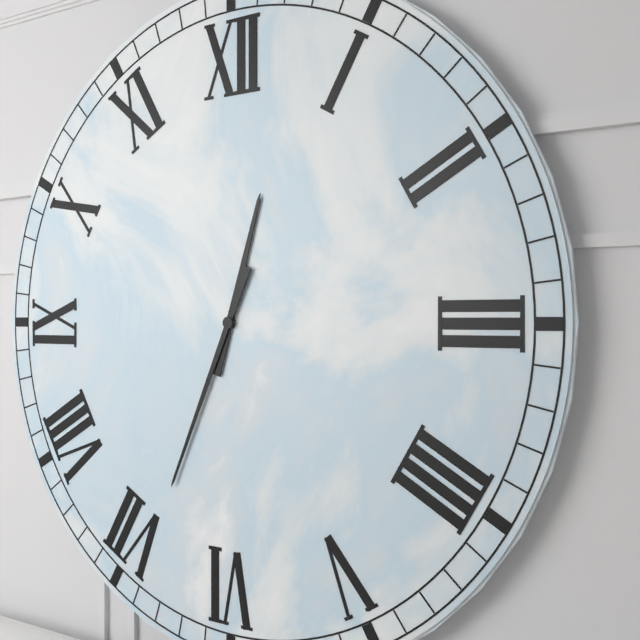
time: **12:34**
